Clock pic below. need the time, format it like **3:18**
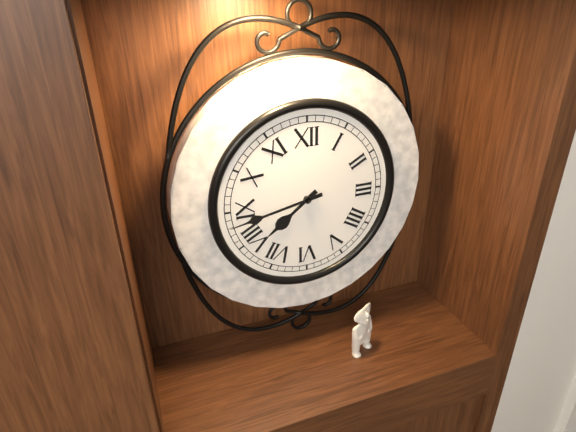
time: **7:43**
